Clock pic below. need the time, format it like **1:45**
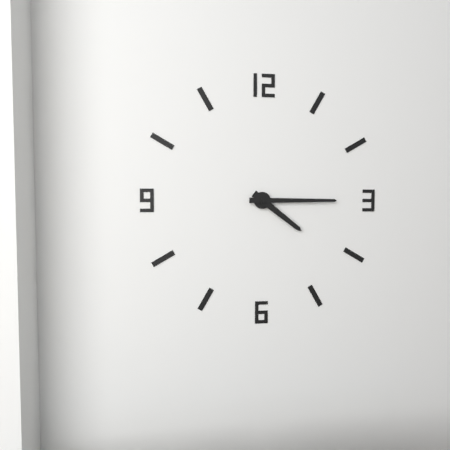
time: **4:15**
